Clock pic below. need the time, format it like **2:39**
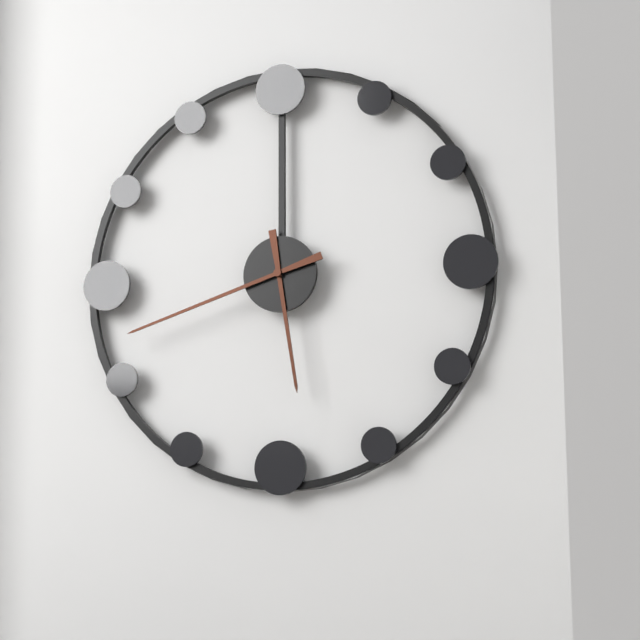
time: **5:42**
